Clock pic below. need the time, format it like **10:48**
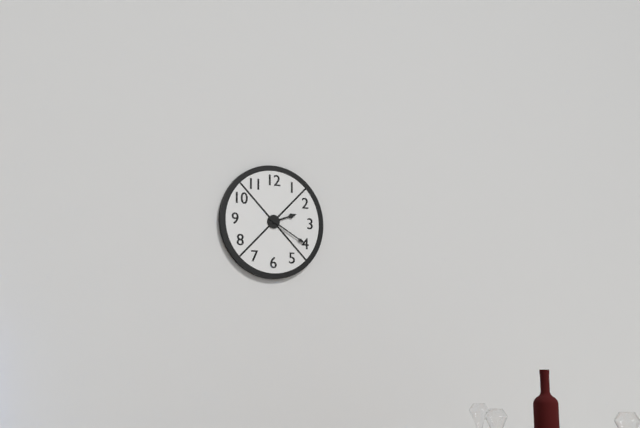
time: **2:20**
